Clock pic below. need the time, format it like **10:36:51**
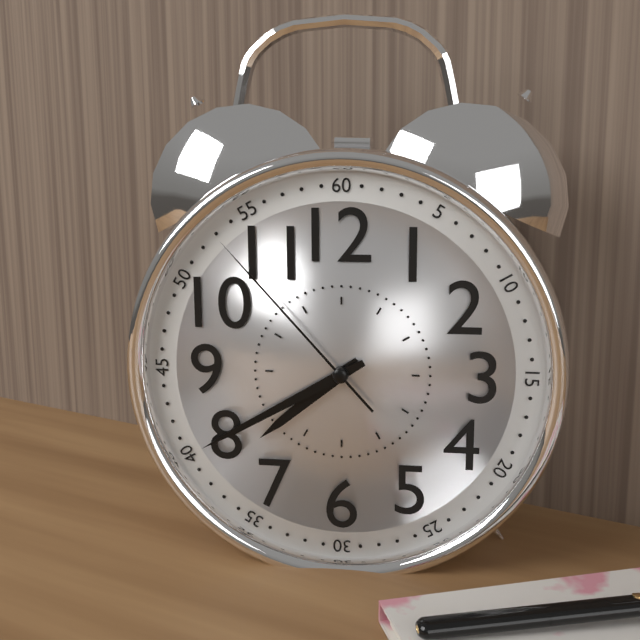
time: **7:40:53**
